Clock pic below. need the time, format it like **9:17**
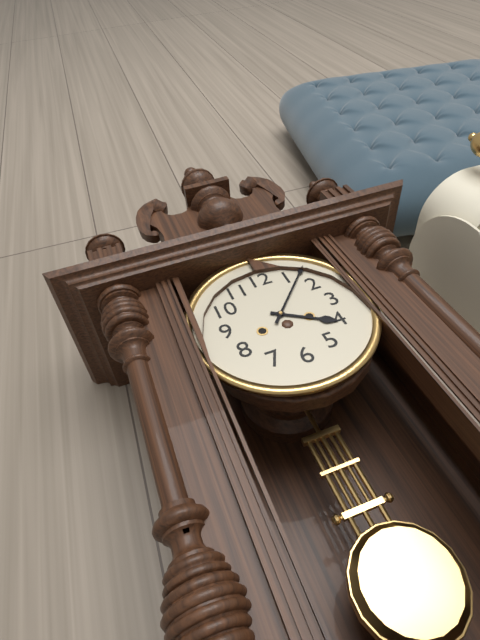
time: **4:07**
